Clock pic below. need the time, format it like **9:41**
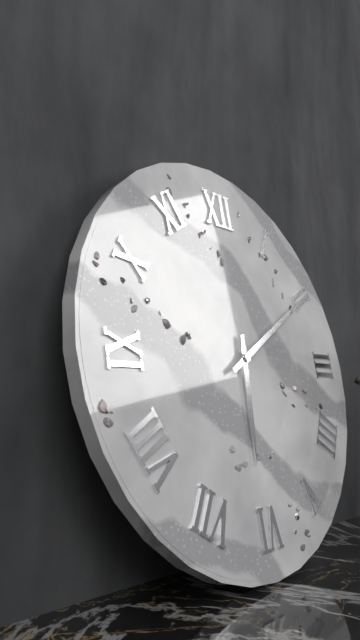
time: **6:10**
